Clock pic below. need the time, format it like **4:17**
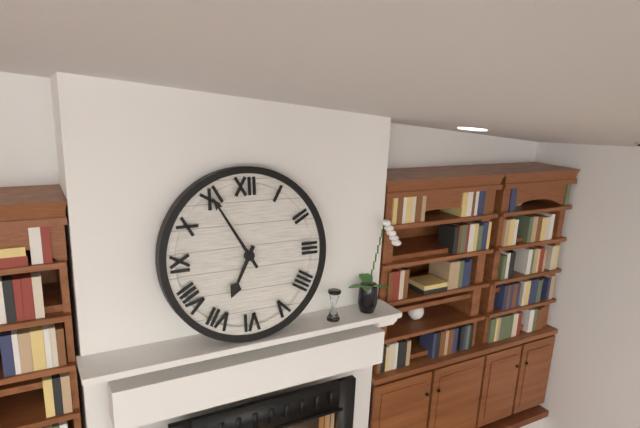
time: **6:55**
